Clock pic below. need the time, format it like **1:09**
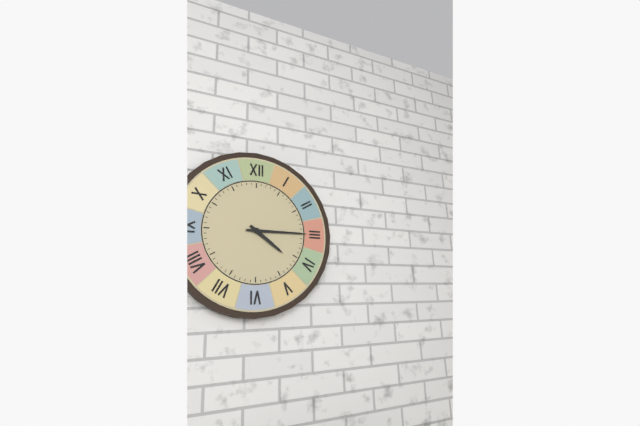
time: **4:15**
